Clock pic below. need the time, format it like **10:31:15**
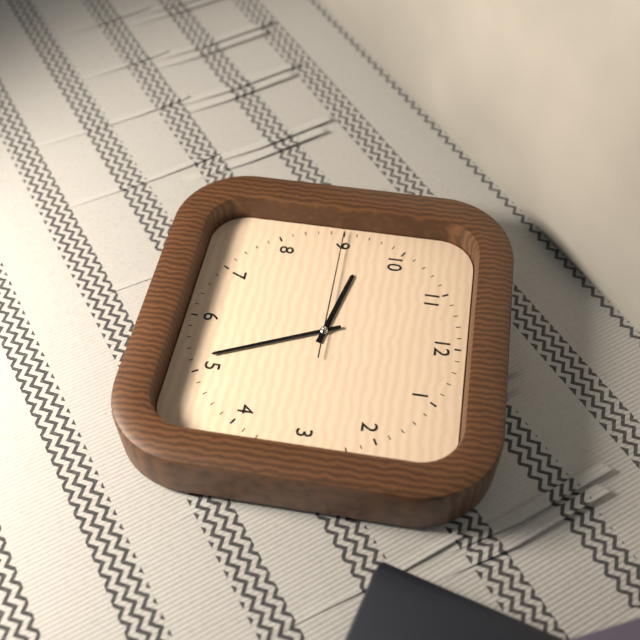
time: **9:26:45**
